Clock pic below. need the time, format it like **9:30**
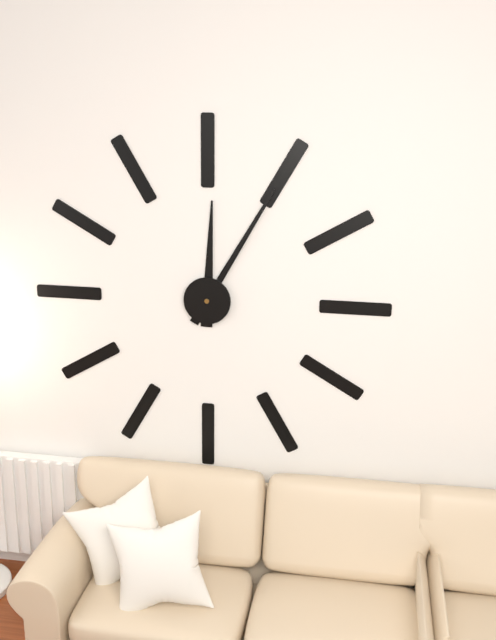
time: **12:05**
